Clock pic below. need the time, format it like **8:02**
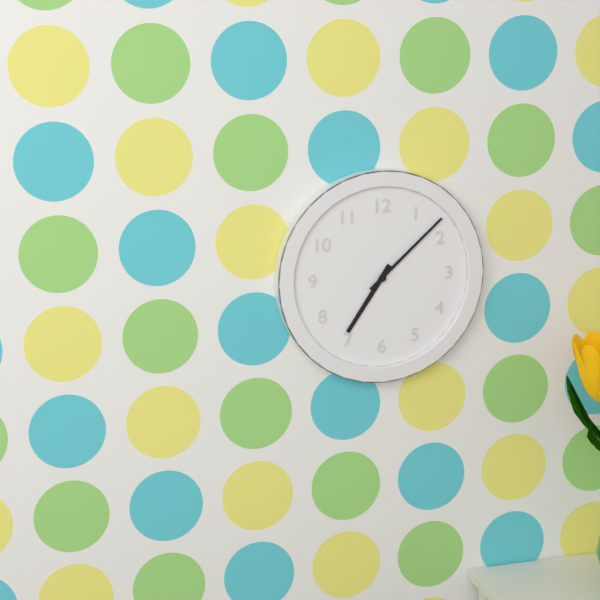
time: **7:08**
